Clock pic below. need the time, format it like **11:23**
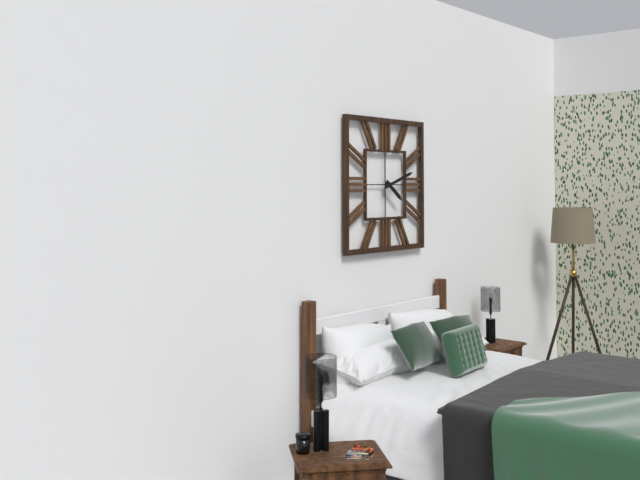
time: **4:12**
